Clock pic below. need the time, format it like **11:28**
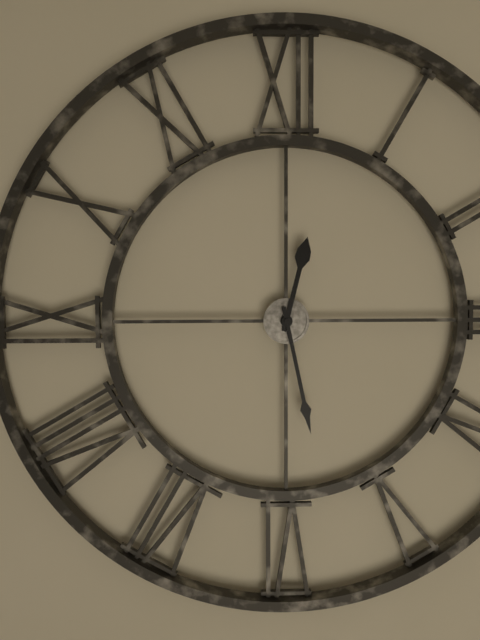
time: **12:28**
